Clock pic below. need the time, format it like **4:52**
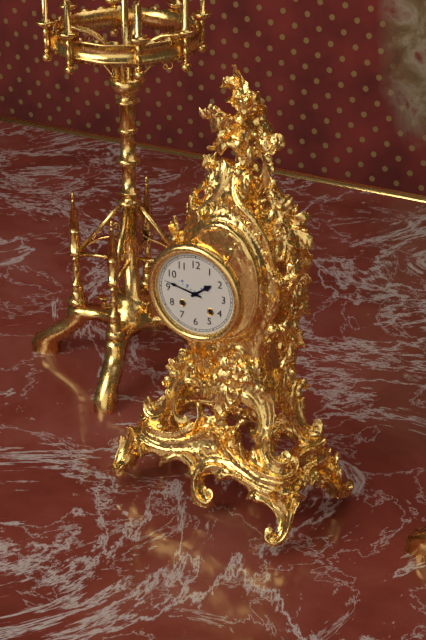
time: **1:47**
